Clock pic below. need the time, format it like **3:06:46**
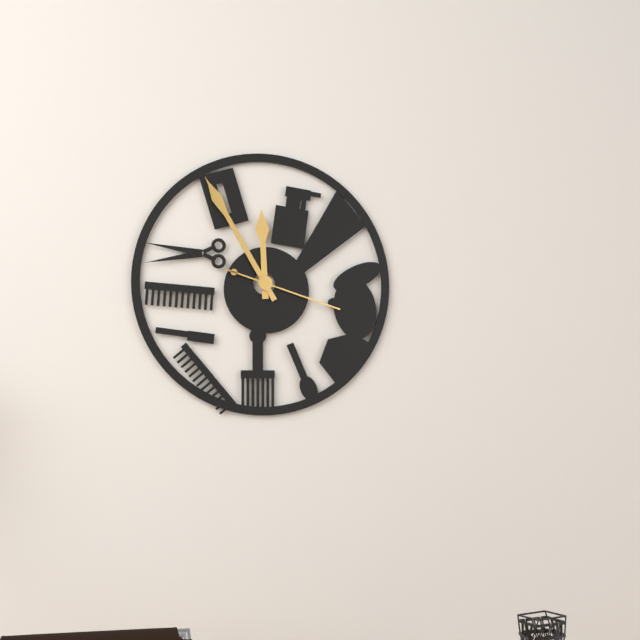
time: **11:55:18**
